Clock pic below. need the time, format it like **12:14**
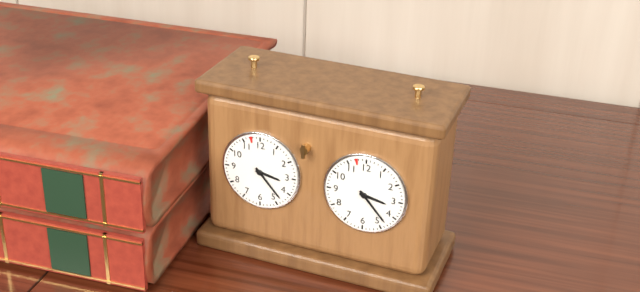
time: **3:23**
